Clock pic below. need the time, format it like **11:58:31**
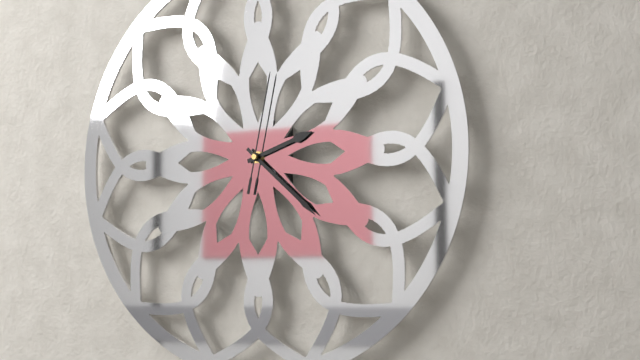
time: **2:22:02**
